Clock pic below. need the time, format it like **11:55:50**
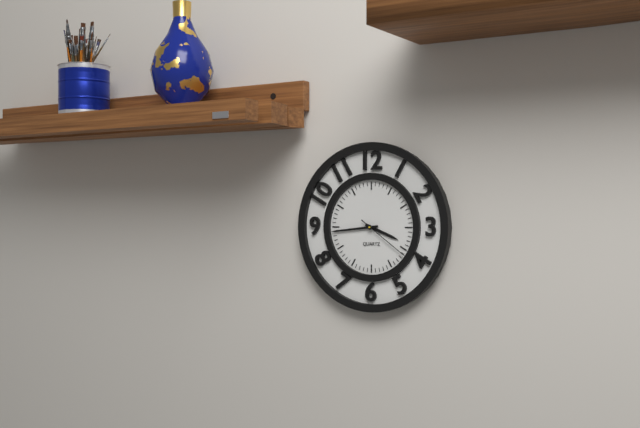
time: **3:44:21**
